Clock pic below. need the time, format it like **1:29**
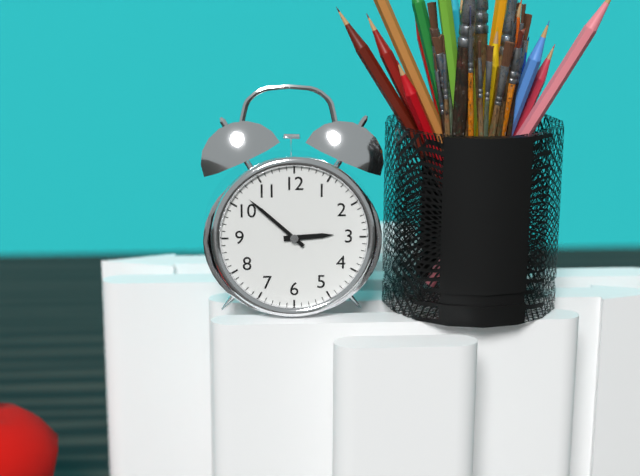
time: **2:52**
